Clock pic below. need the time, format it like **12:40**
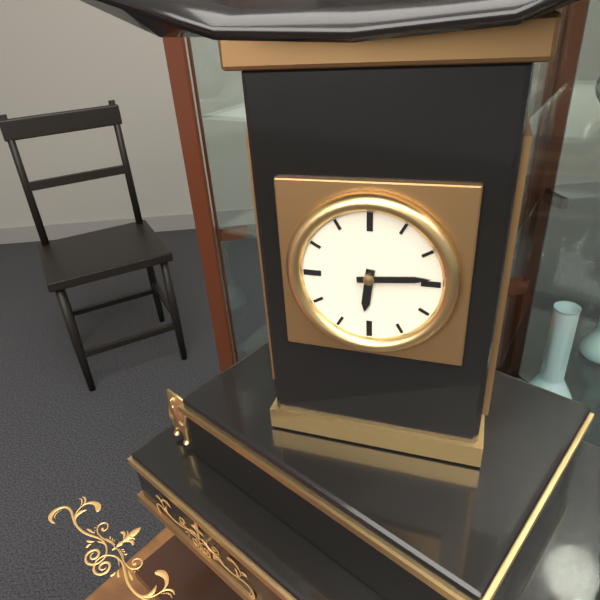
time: **6:14**
